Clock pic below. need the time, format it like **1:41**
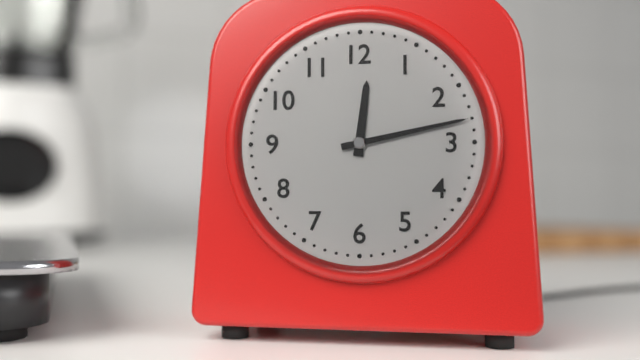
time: **12:13**
